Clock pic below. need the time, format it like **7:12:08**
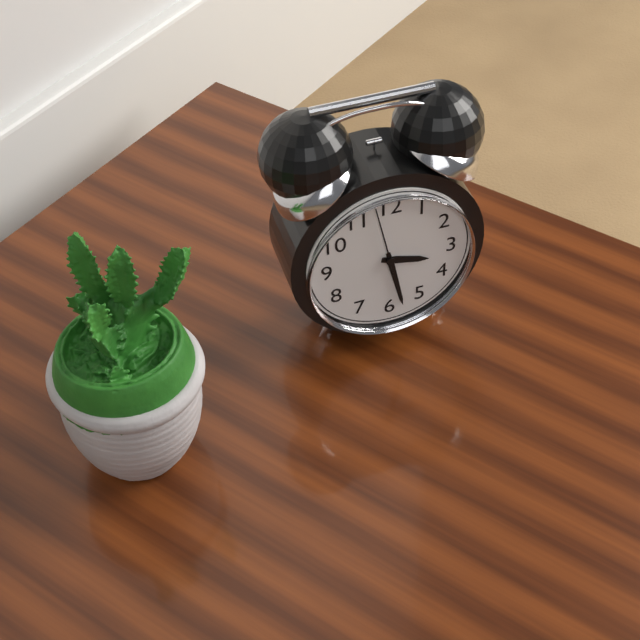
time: **3:28:58**
